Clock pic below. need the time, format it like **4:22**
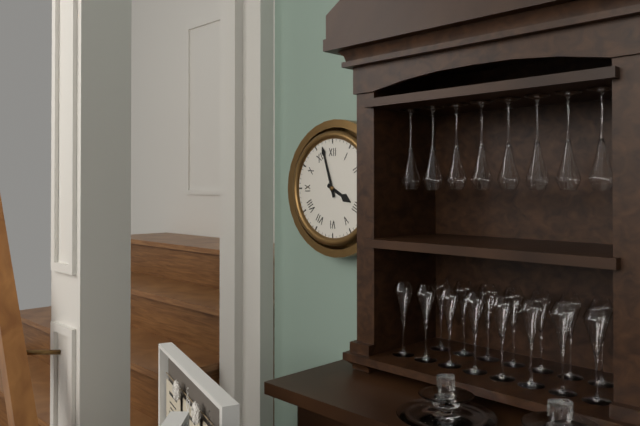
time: **3:57**
